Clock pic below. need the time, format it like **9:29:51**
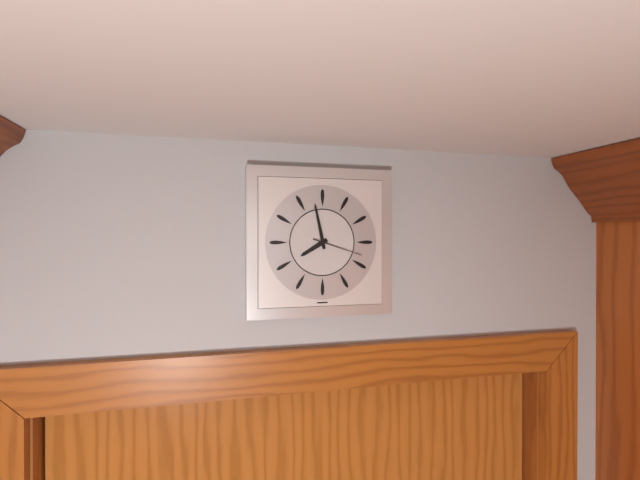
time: **7:58:18**
